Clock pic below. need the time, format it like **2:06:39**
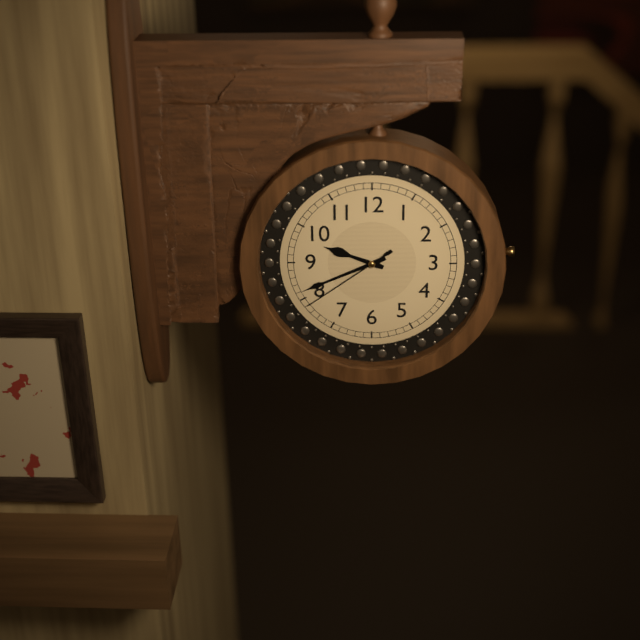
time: **9:41:39**
